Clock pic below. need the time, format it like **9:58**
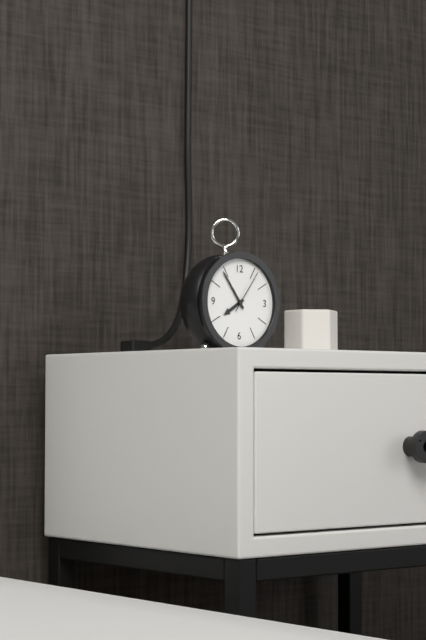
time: **7:54**
